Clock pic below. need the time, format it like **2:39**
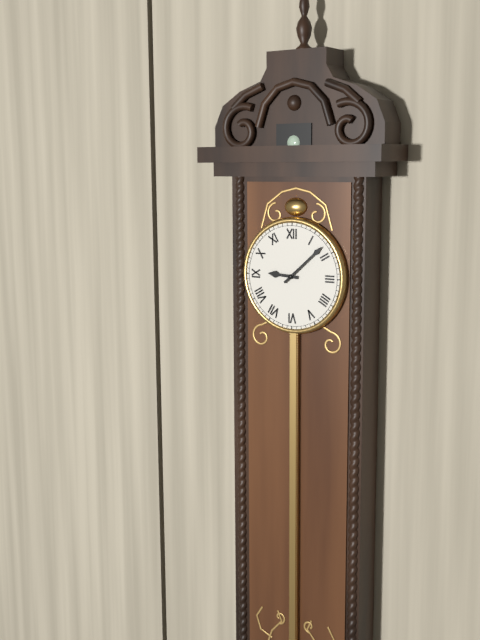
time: **9:08**
